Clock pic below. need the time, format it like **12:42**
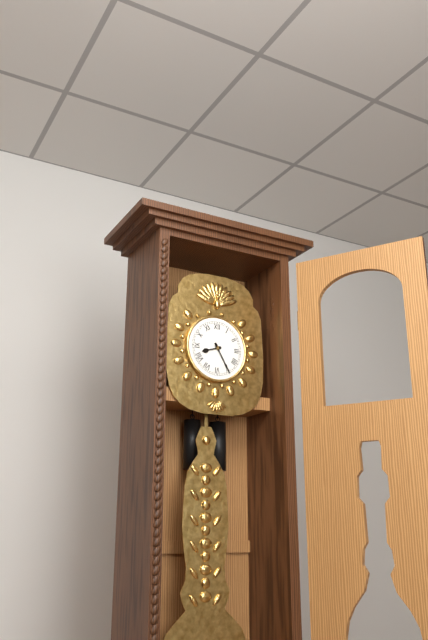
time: **8:25**
